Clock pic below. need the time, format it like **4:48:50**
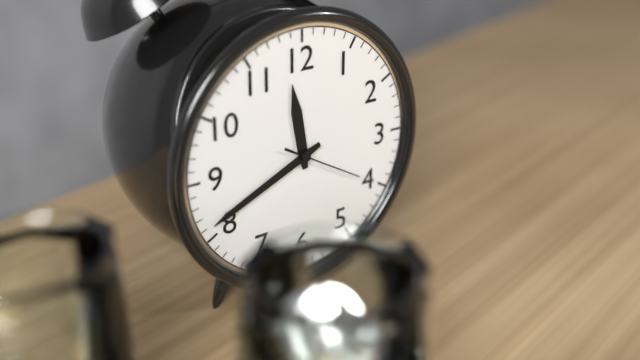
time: **11:41:20**
